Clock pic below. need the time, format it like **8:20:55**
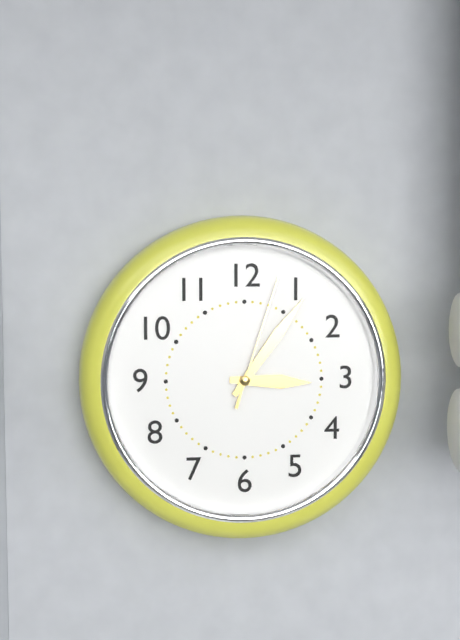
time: **3:06:03**
